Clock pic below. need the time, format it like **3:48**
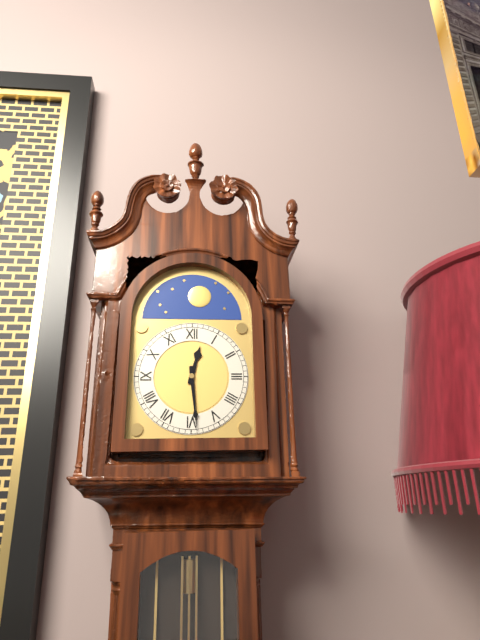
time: **12:29**
